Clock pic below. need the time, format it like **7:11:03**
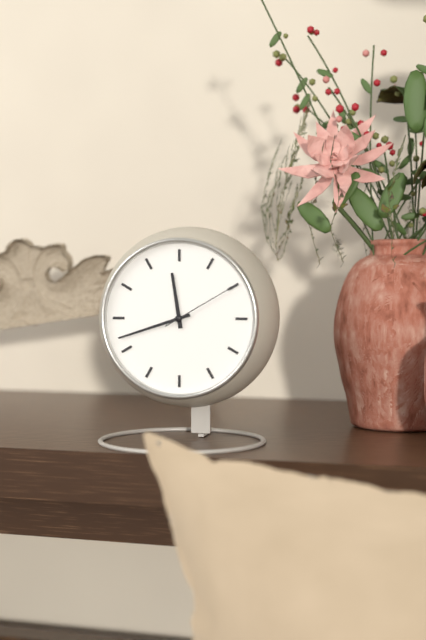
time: **11:42:10**
